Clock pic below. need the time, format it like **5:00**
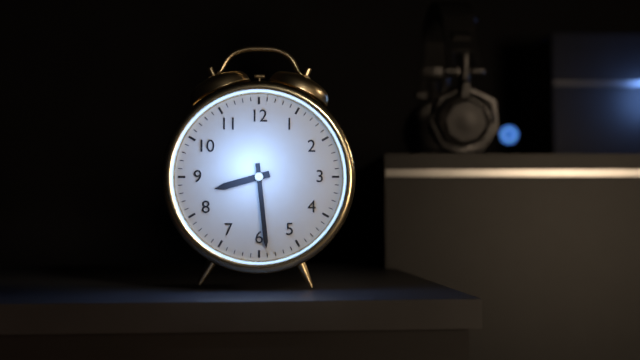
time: **8:29**
